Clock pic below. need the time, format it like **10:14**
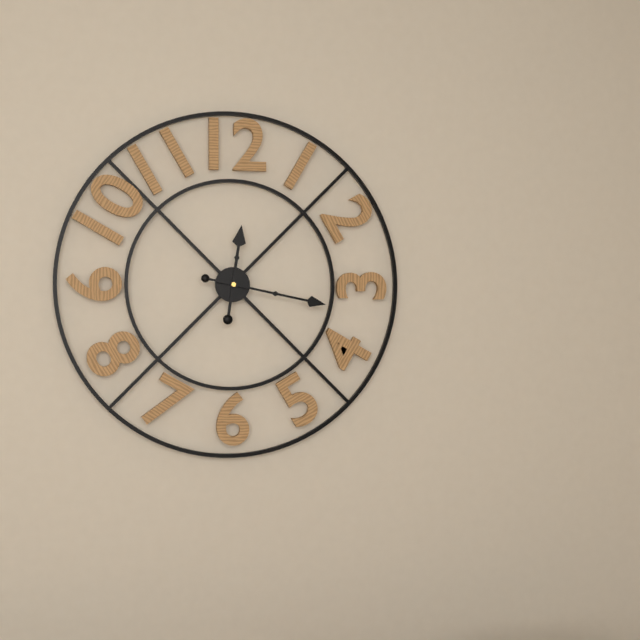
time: **12:17**
